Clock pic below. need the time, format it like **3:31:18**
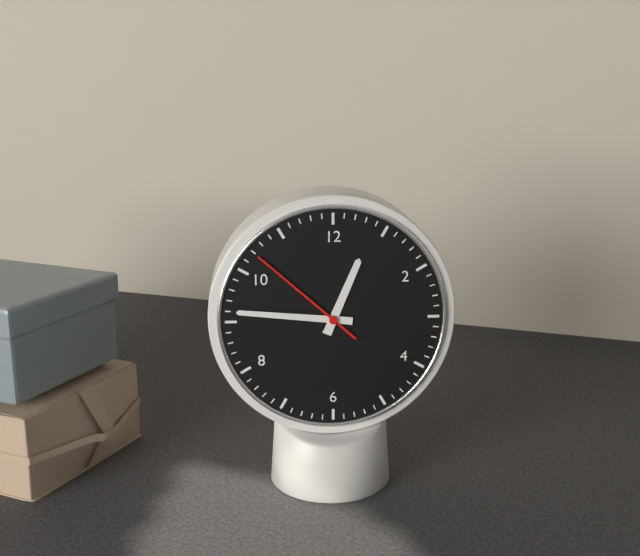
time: **12:46:52**
